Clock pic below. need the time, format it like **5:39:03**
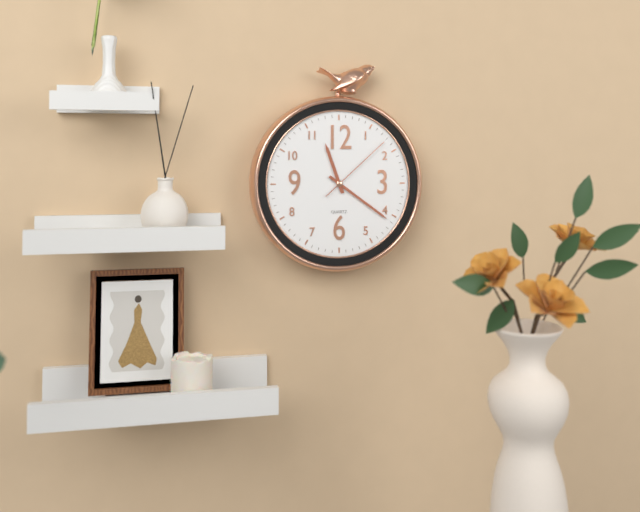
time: **11:21:08**
